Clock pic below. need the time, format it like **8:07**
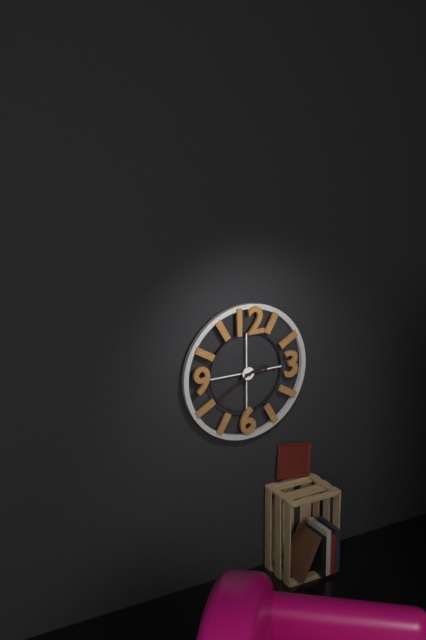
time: **2:40**
